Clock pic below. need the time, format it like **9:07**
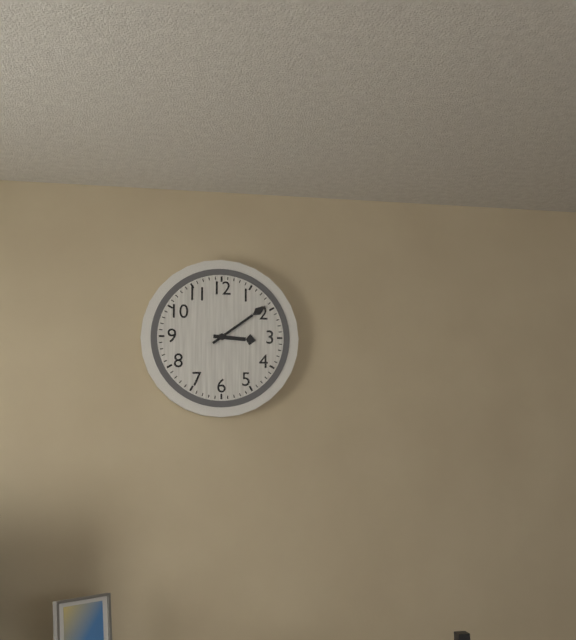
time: **3:09**
